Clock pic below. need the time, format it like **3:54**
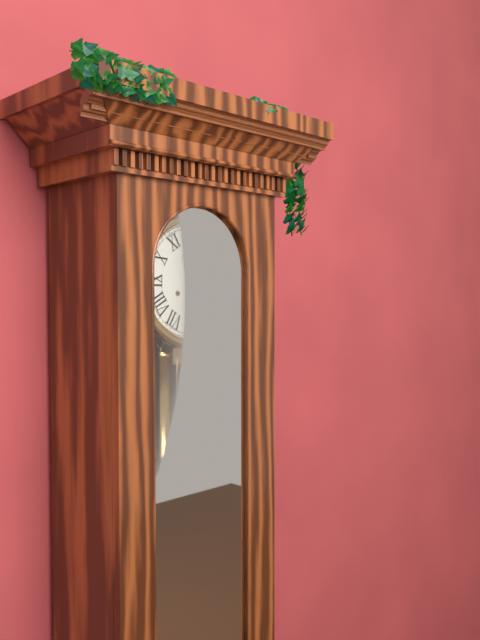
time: **12:29**
